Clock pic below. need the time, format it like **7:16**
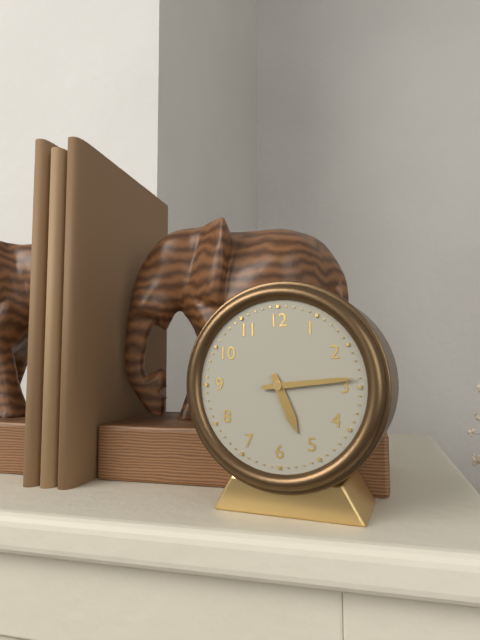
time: **5:14**
